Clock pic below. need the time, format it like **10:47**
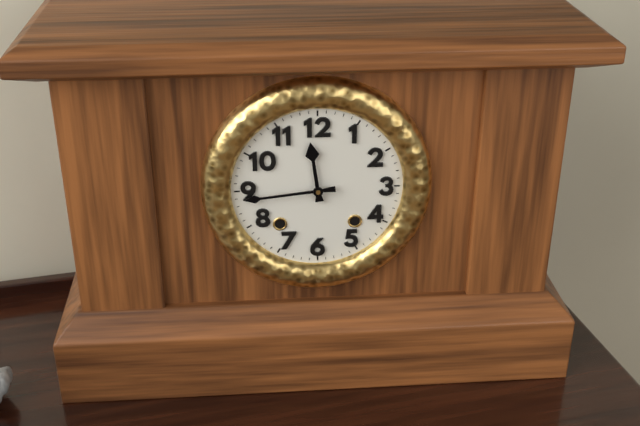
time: **11:44**
